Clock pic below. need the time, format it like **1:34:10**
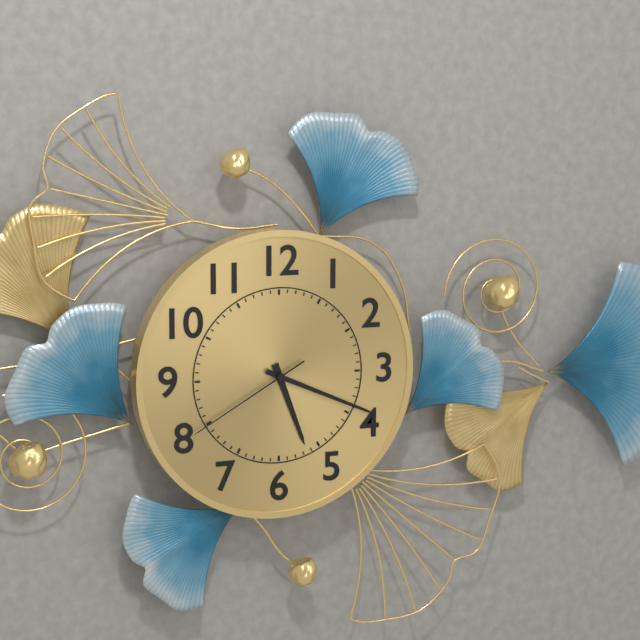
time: **5:19:40**
